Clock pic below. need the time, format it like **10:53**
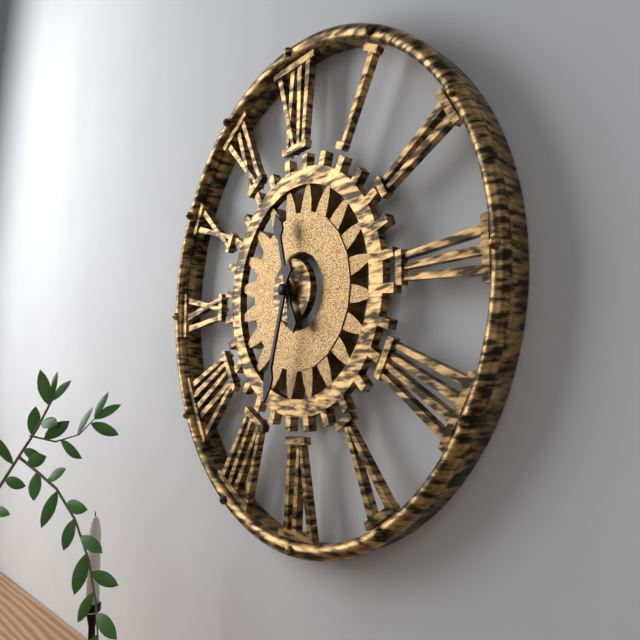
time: **11:33**
